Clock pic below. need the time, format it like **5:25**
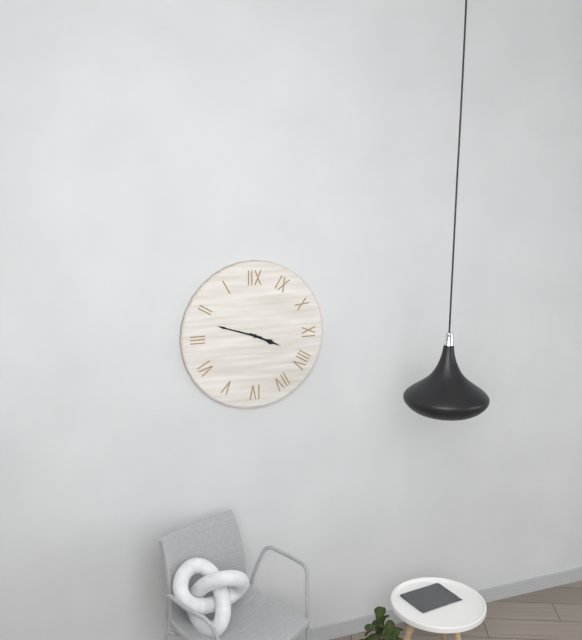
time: **3:48**
